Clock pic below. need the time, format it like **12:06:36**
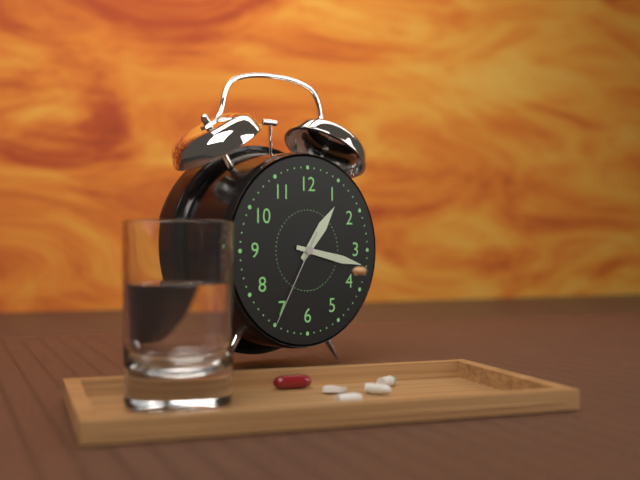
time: **1:17:35**
